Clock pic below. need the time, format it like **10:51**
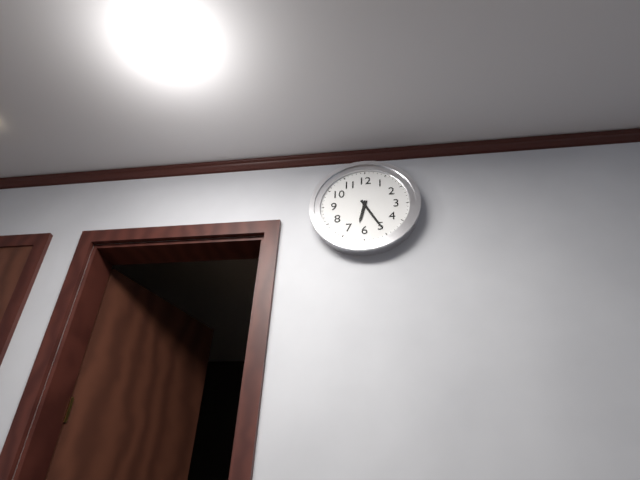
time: **6:25**
